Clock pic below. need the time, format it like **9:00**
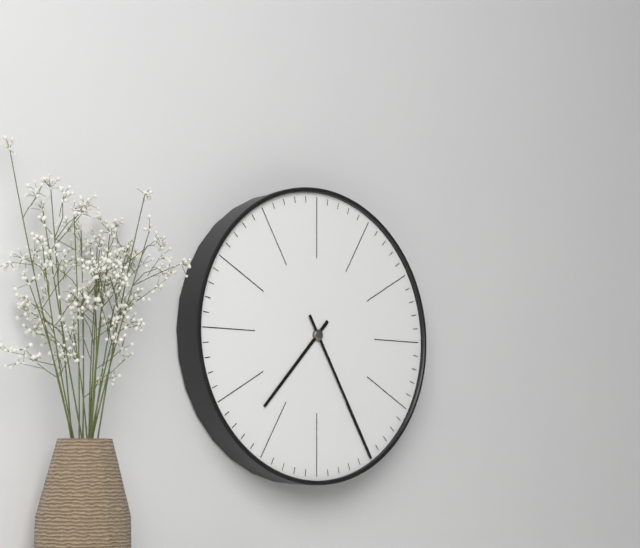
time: **7:25**
